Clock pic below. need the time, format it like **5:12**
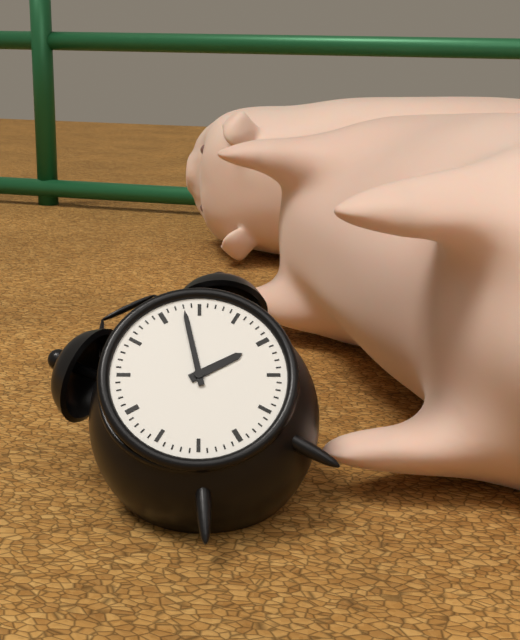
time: **3:03**
